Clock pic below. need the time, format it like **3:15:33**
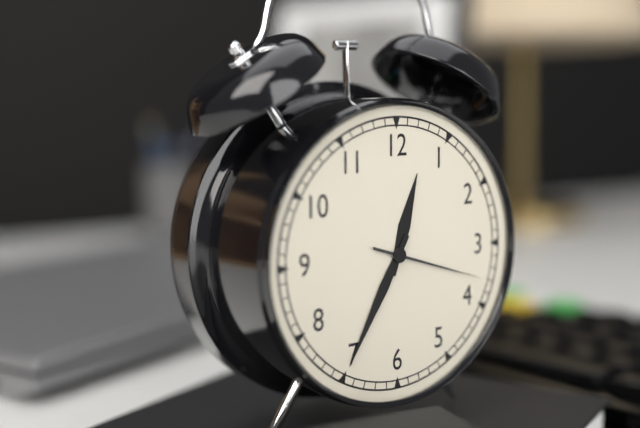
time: **12:35:18**
